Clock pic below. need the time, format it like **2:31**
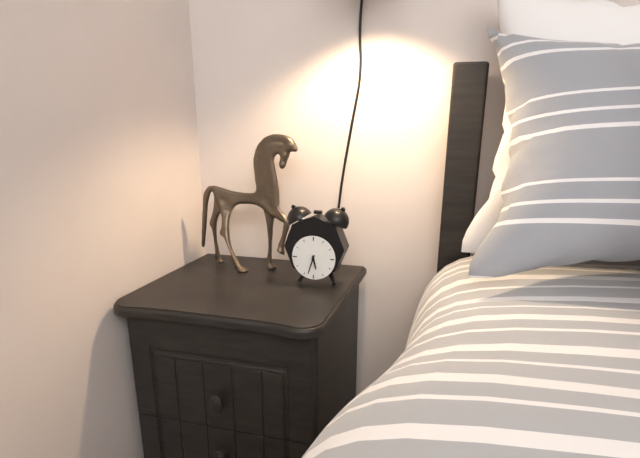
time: **5:33**
